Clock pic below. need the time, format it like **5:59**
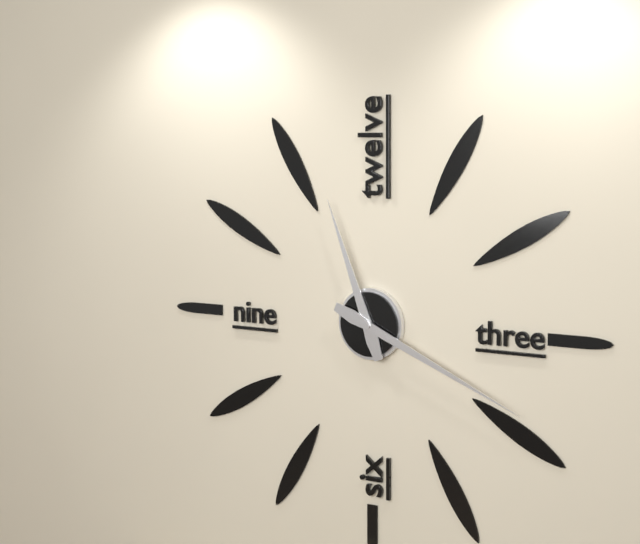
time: **11:19**
